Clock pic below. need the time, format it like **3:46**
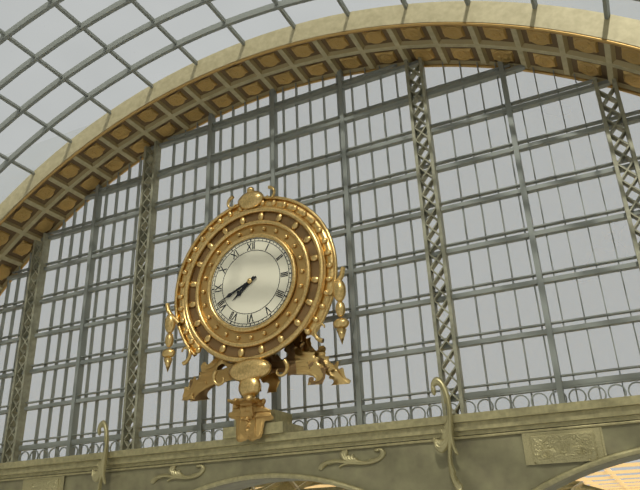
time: **7:41**
